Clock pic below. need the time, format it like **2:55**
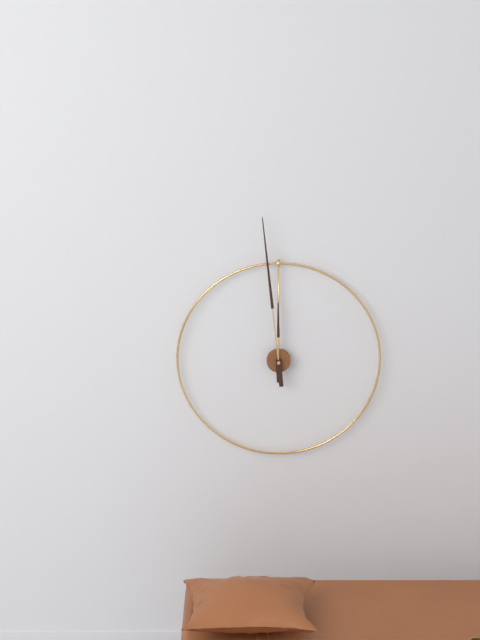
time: **11:59**
